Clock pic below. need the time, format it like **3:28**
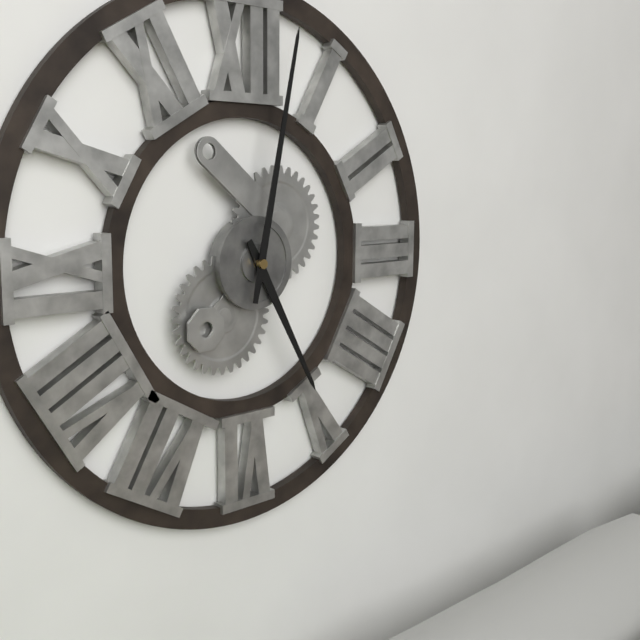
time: **5:02**
